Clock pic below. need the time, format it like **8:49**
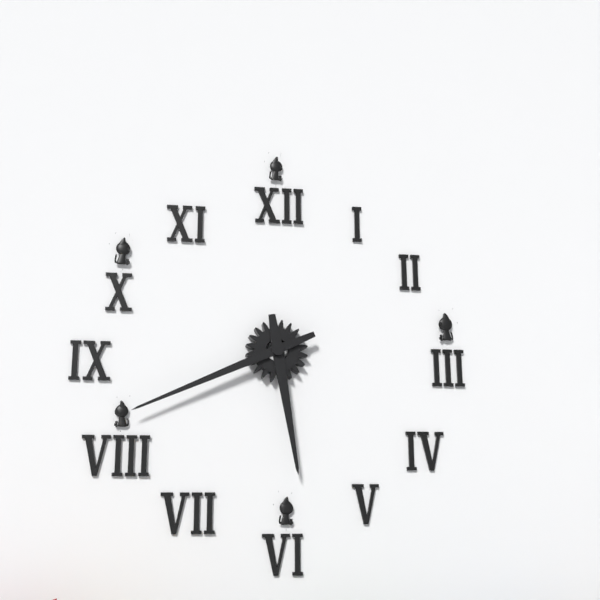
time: **5:41**
